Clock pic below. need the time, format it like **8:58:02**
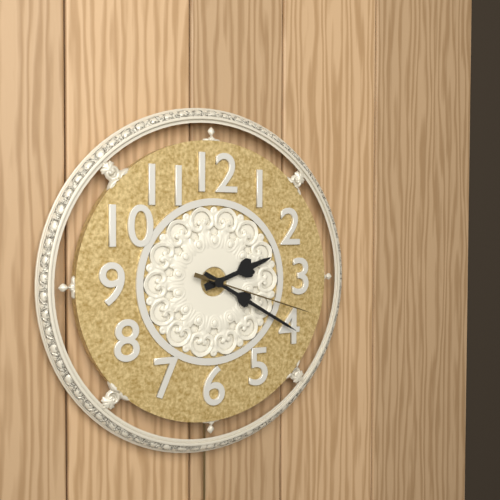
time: **2:20:18**
